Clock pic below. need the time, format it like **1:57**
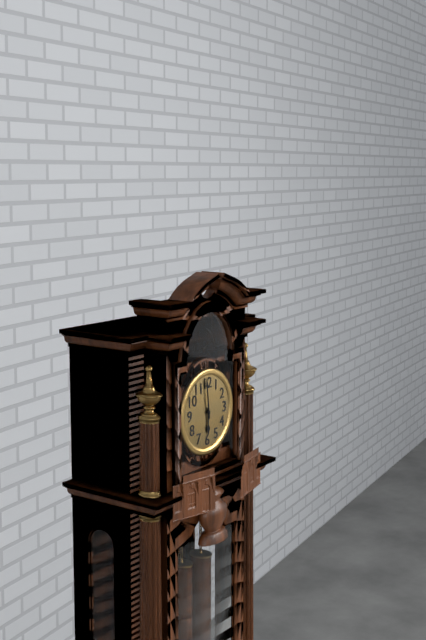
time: **5:59**
